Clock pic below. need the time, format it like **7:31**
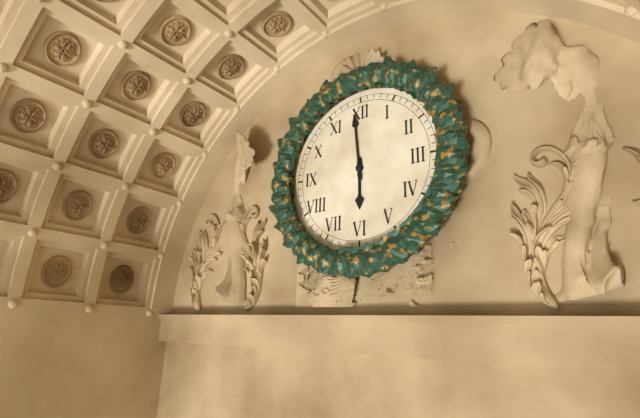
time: **5:59**
